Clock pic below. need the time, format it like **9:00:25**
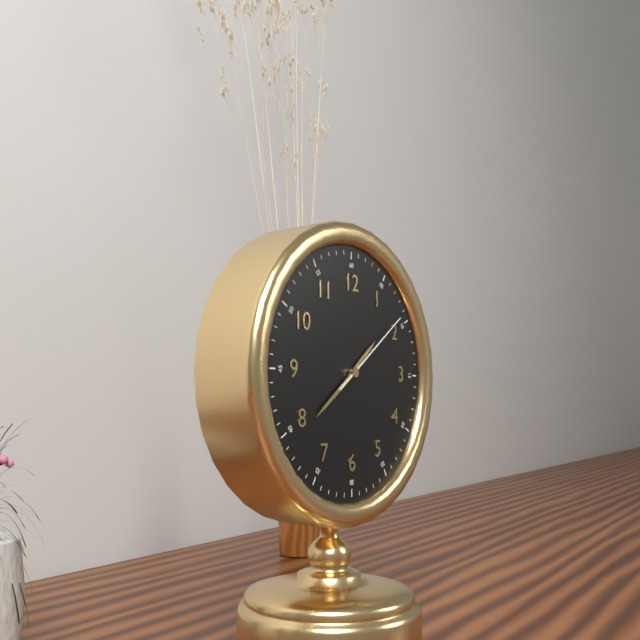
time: **1:39:09**
